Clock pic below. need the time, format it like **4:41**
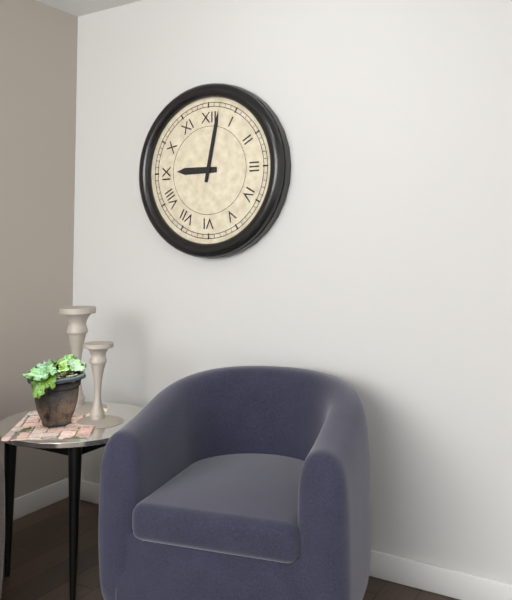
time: **9:02**
